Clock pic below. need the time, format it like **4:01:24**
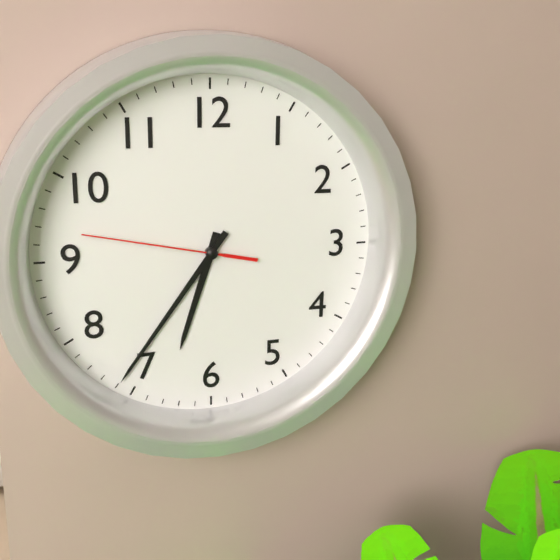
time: **6:36:47**
